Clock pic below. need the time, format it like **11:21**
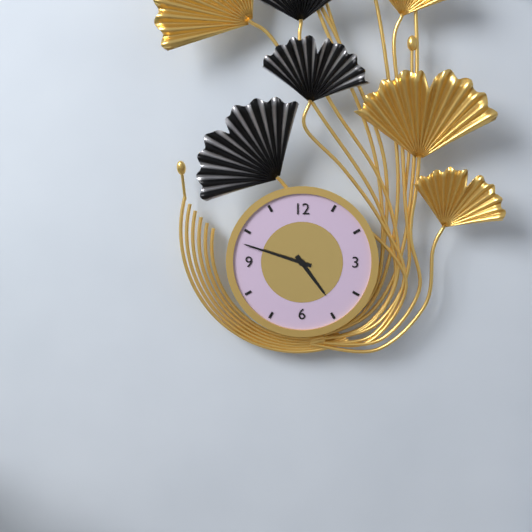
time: **4:48**
